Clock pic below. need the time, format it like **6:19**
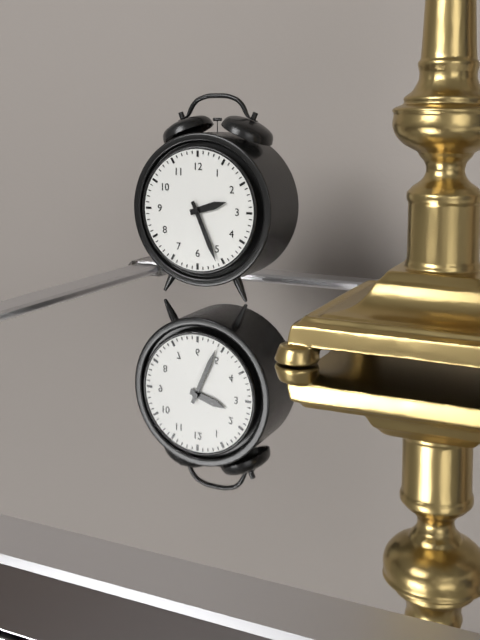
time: **2:26**
